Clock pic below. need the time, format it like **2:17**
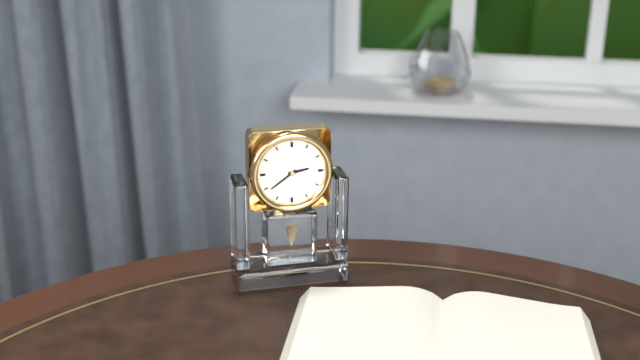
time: **2:39**
